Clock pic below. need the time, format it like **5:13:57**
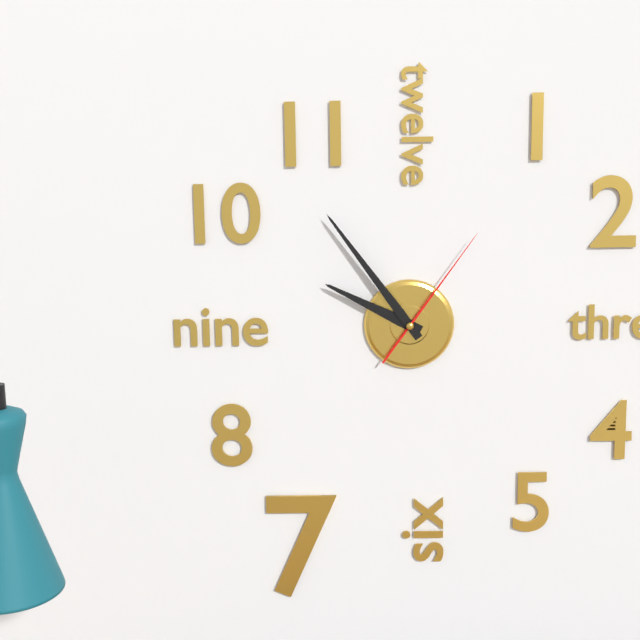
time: **9:54:06**
